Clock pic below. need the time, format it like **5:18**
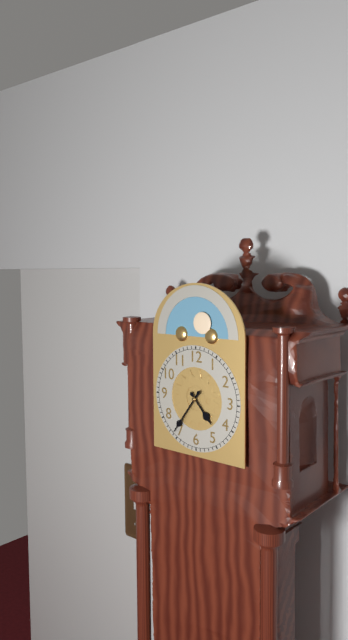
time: **4:36**
